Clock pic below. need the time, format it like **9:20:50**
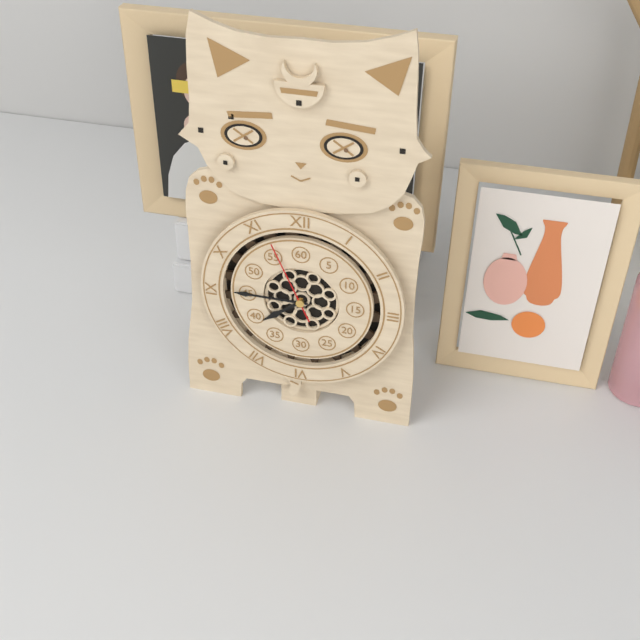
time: **7:45:56**
